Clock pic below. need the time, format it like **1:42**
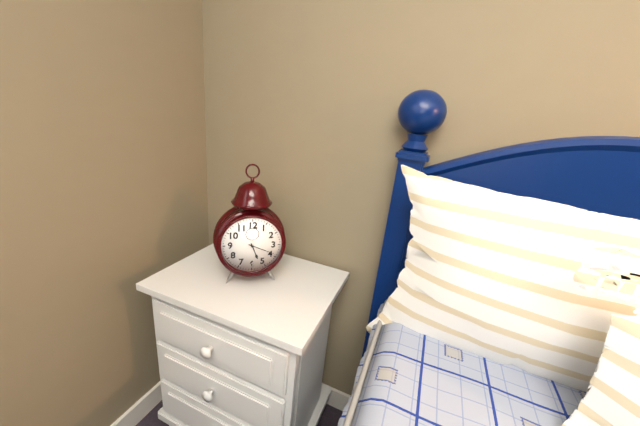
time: **5:19**
